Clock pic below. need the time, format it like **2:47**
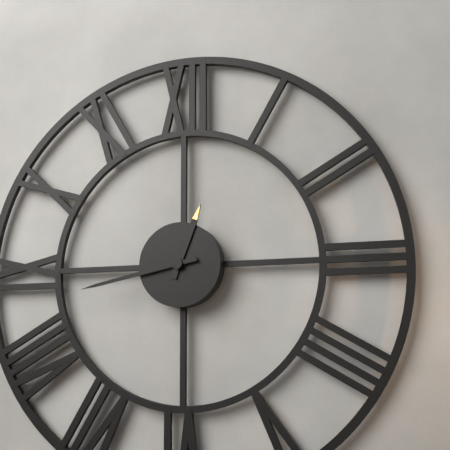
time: **12:43**
